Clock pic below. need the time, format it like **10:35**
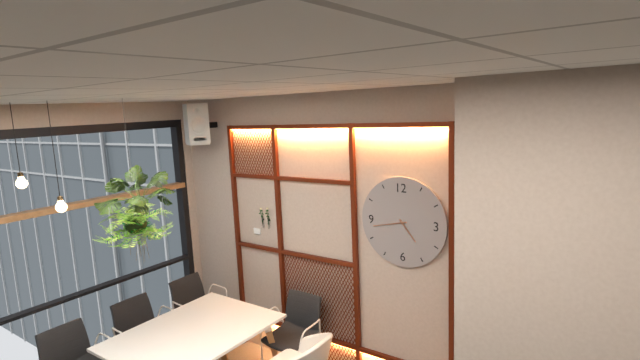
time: **4:43**
